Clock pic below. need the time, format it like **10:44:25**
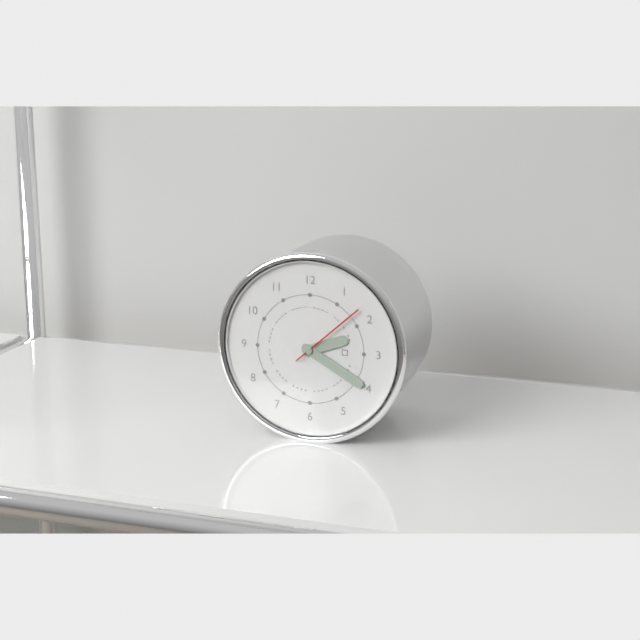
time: **2:20:08**
